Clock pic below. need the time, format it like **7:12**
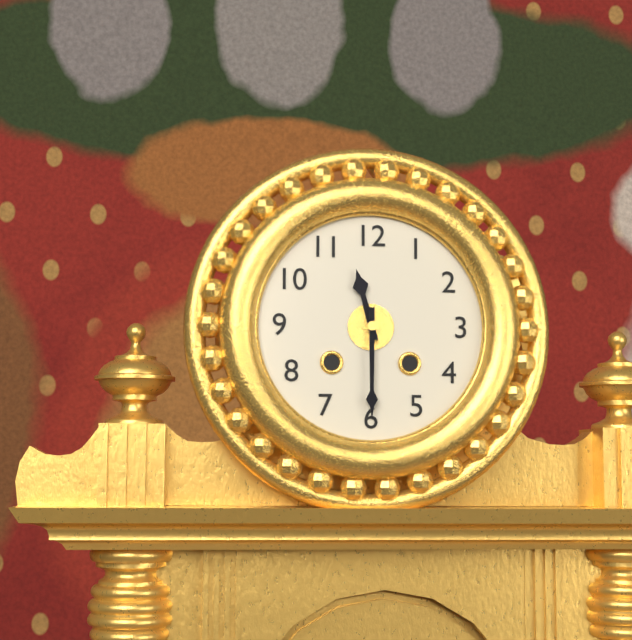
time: **11:30**
